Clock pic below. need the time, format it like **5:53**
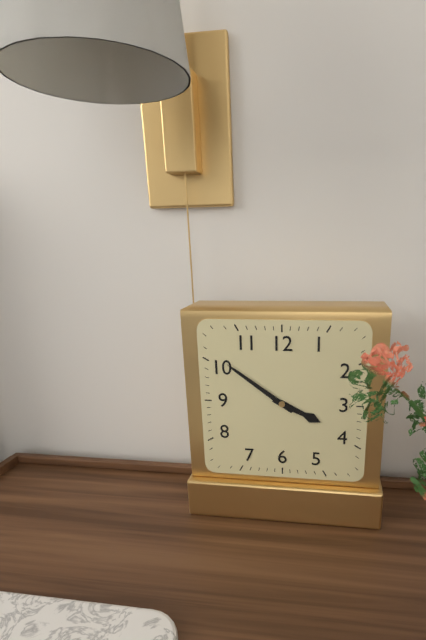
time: **3:51**
